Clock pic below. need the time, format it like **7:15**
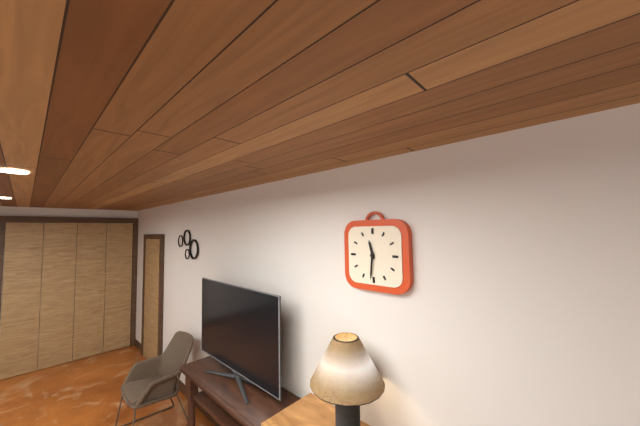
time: **11:31**
